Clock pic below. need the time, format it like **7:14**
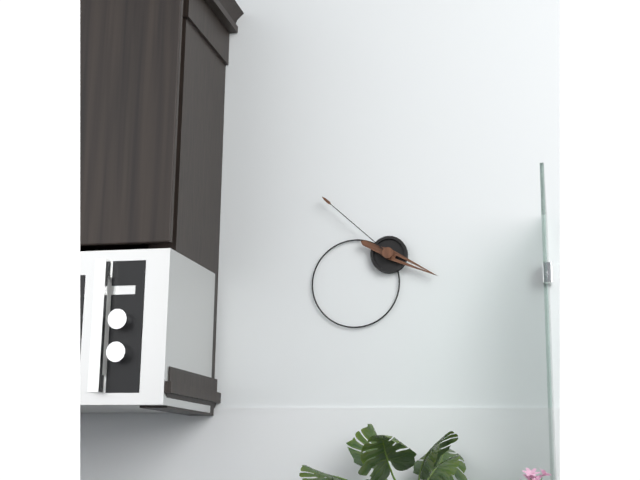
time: **3:52**
